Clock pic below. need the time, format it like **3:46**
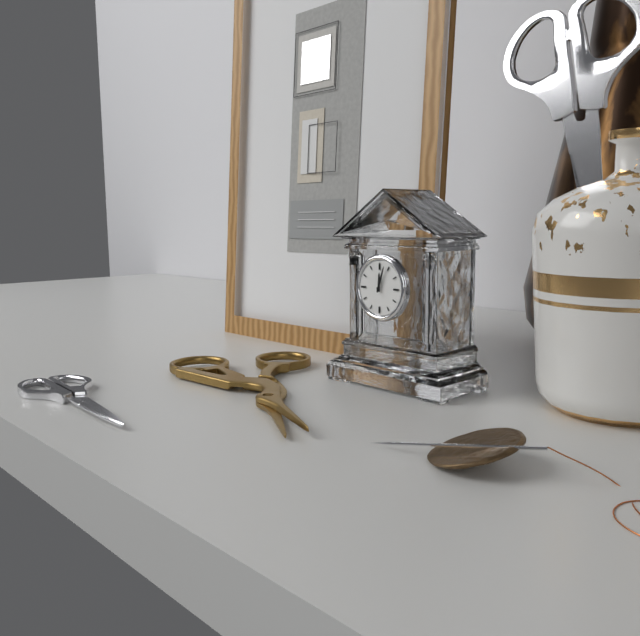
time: **12:03**
